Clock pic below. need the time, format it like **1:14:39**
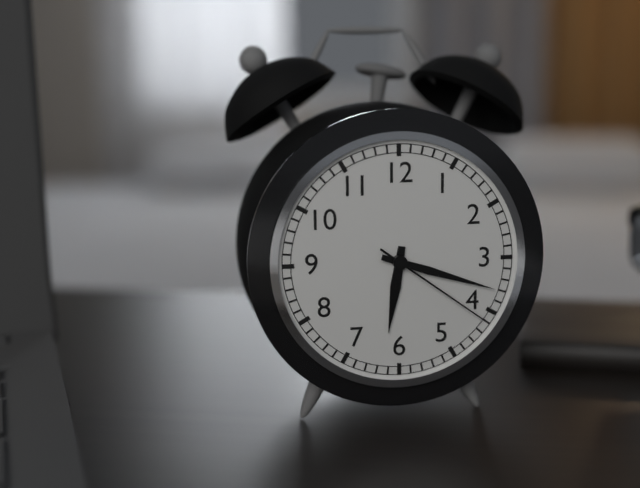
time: **6:18:21**
